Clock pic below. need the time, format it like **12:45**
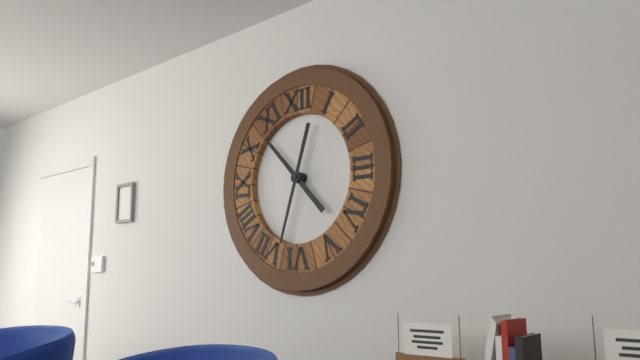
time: **10:33**
